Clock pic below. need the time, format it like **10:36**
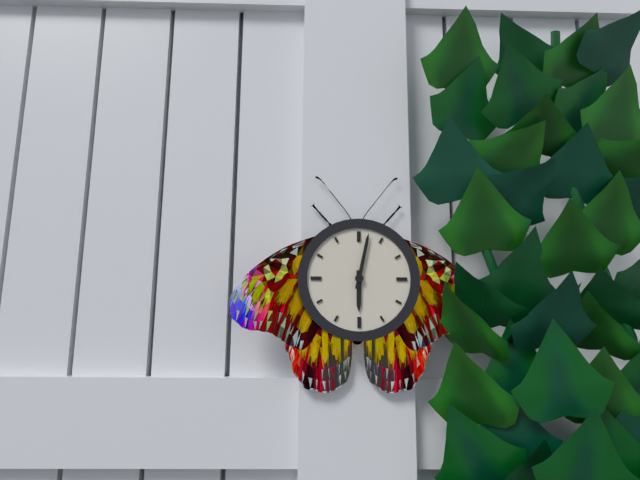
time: **6:02**
